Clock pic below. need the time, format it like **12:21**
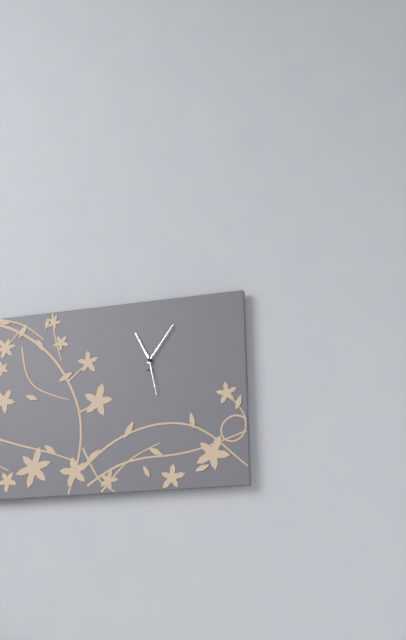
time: **11:06**
